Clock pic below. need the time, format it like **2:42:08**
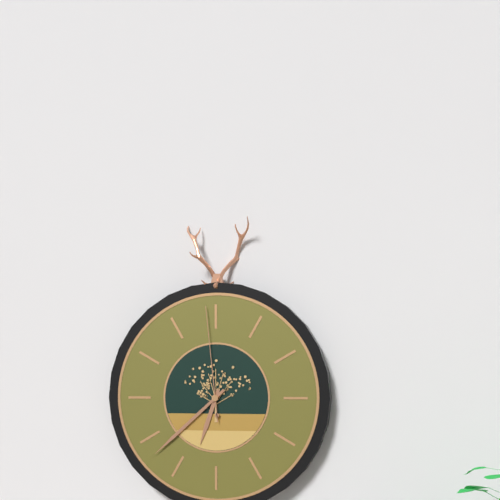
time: **6:38:59**
